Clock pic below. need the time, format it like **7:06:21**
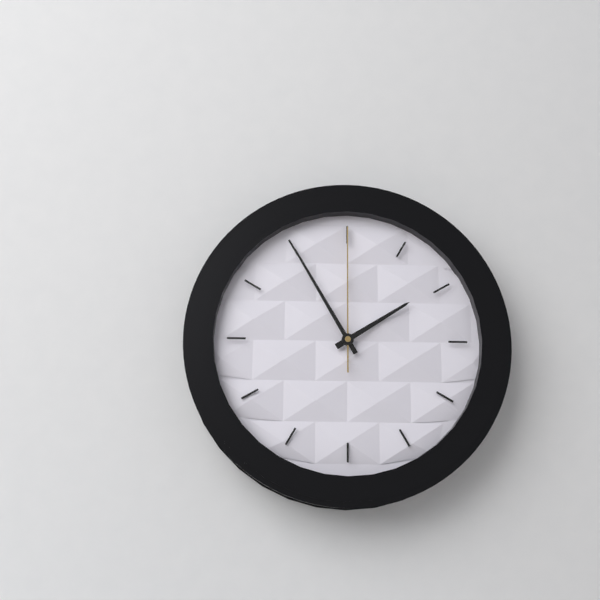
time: **1:55:00**
